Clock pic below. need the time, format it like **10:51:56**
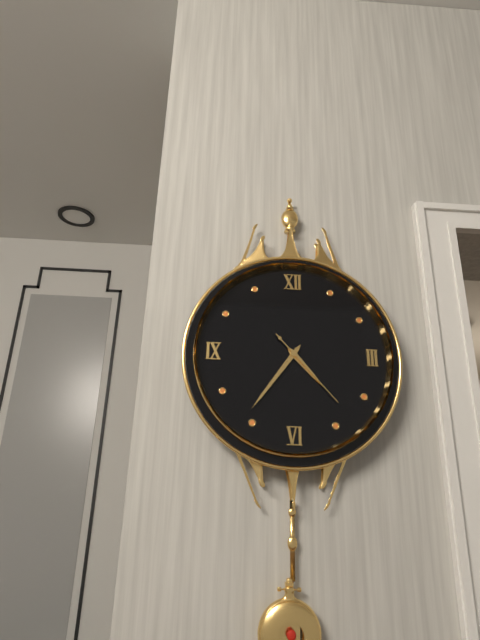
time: **4:36:23**
